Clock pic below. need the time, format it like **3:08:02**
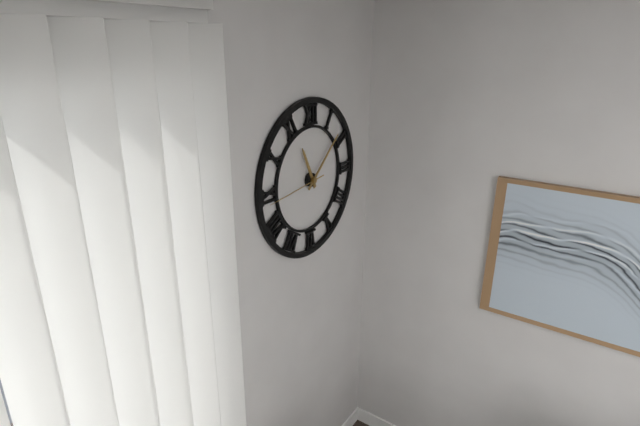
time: **11:08:44**
